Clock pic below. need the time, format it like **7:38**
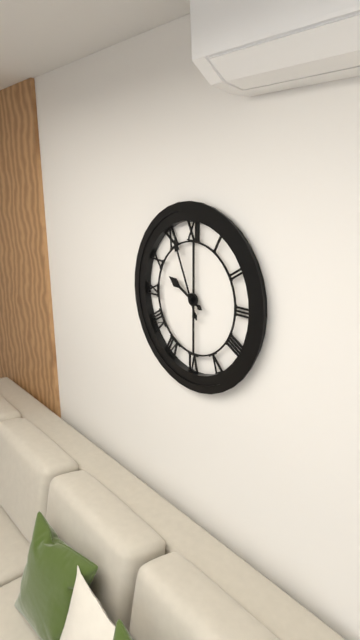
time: **9:56**
